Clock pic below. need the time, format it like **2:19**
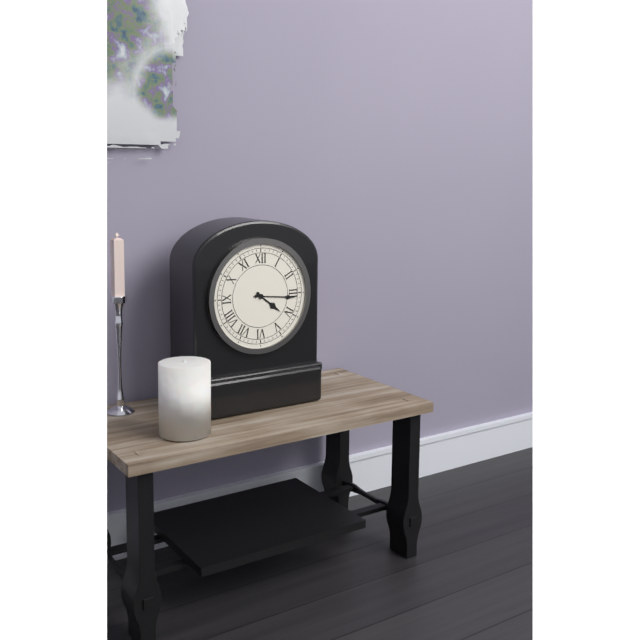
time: **4:16**
